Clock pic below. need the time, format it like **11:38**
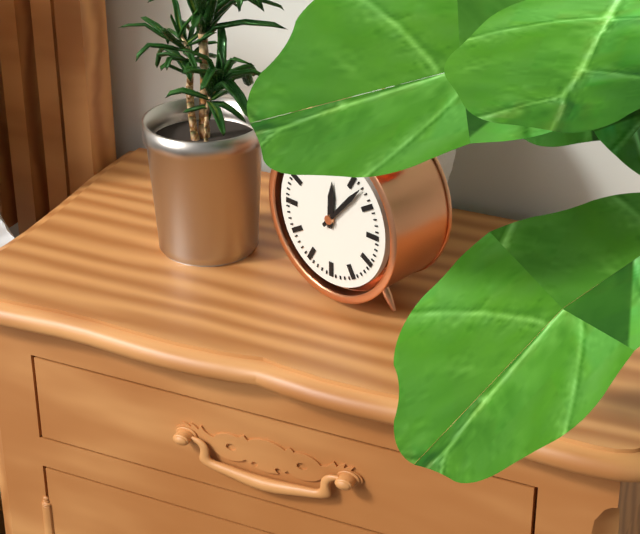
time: **12:07**
